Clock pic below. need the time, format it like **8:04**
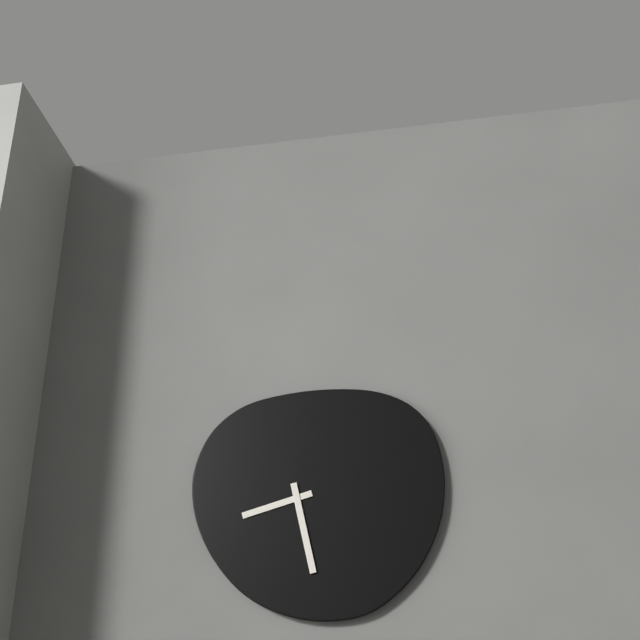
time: **8:28**
